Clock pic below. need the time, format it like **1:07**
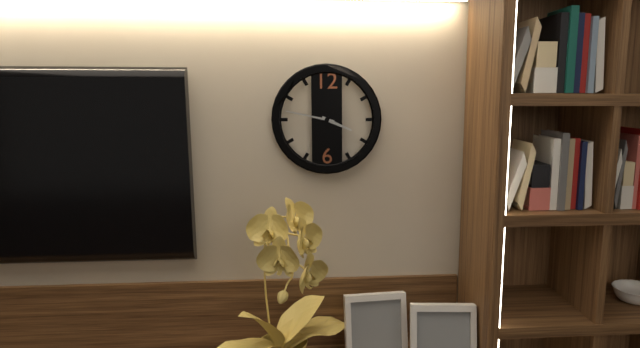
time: **3:47**
